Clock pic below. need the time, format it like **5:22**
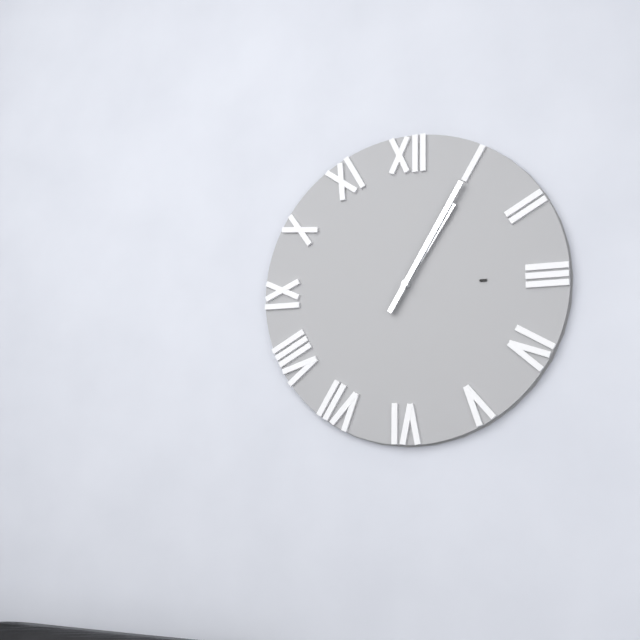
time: **1:05**
